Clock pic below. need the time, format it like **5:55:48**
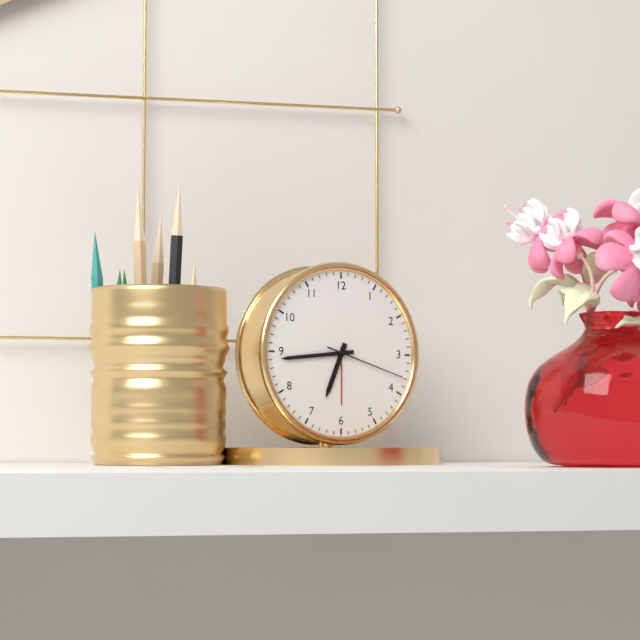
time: **6:44:18**
